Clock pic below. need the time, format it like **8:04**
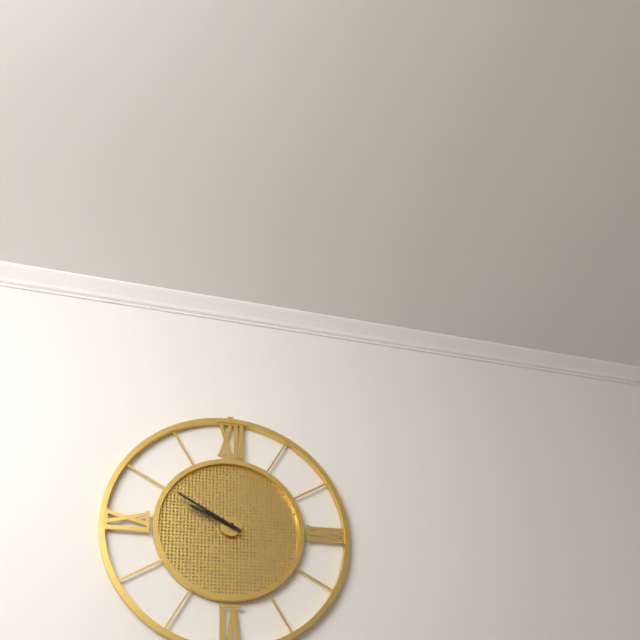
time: **9:50**
